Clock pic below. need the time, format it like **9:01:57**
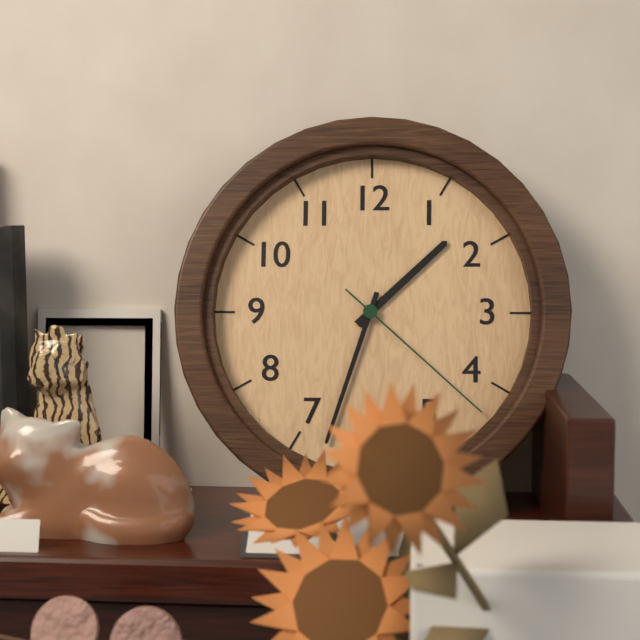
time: **1:33:22**
